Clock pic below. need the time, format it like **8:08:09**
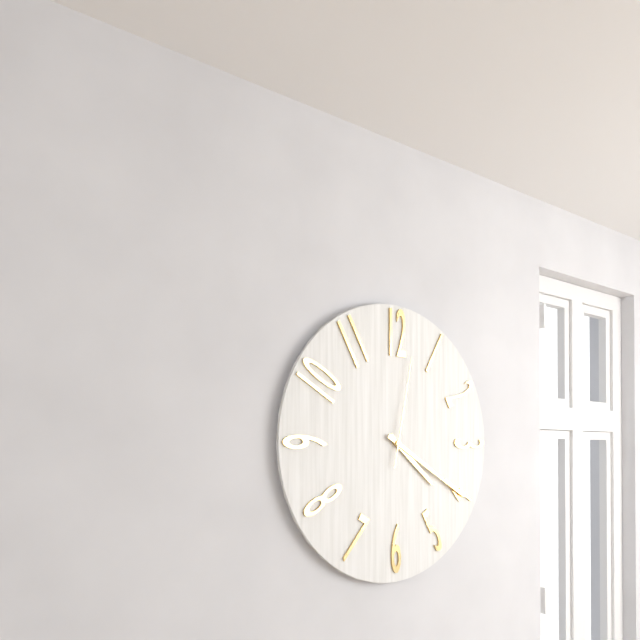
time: **4:20:02**
